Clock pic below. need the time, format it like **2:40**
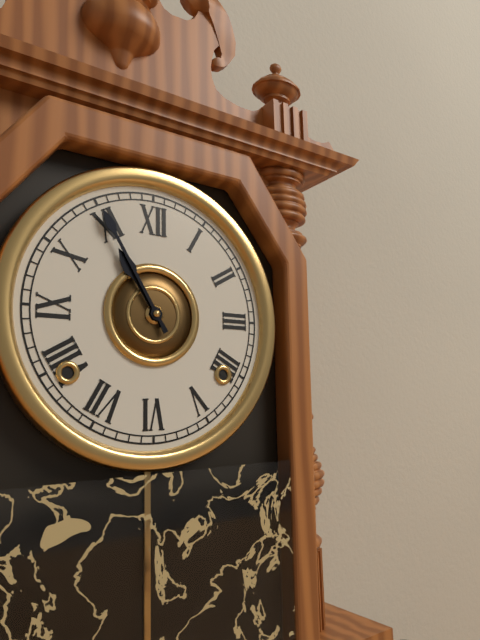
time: **10:55**
